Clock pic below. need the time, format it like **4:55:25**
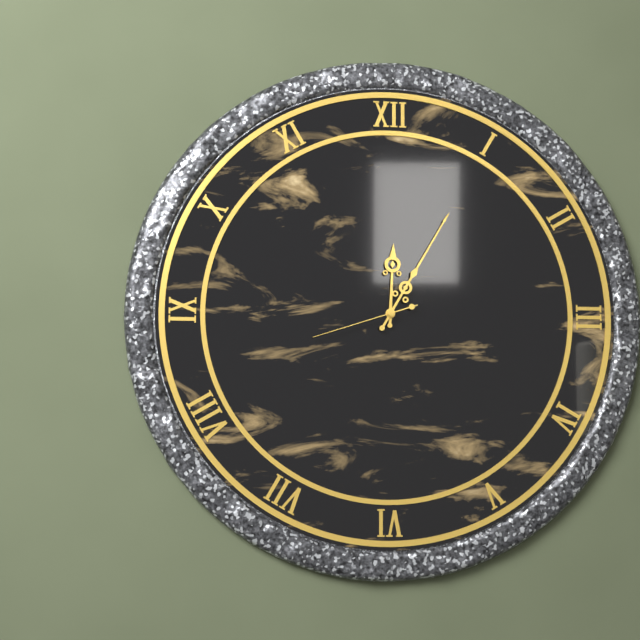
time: **12:05:42**
